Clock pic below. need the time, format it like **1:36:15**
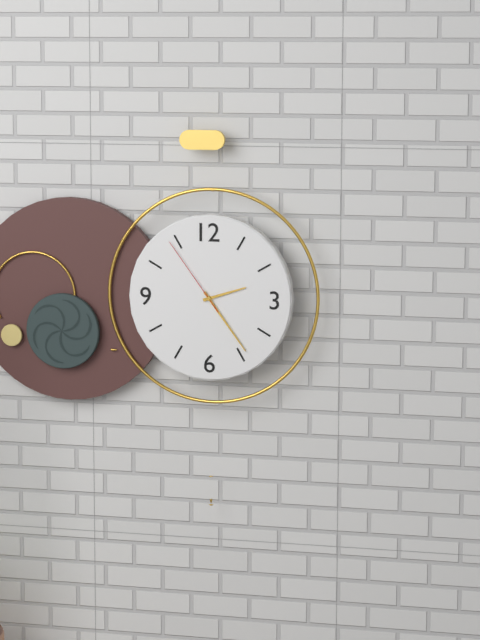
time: **2:24:54**
